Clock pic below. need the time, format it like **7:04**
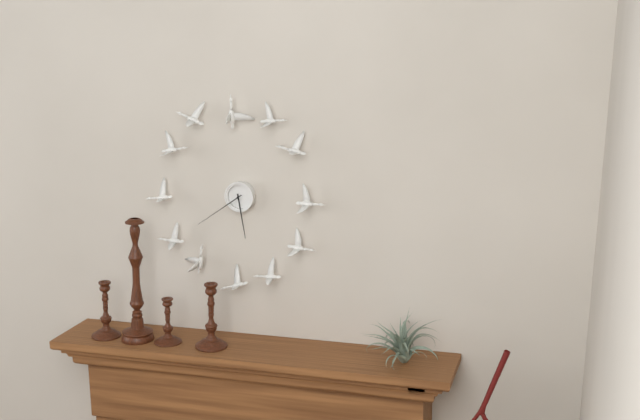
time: **5:39**
